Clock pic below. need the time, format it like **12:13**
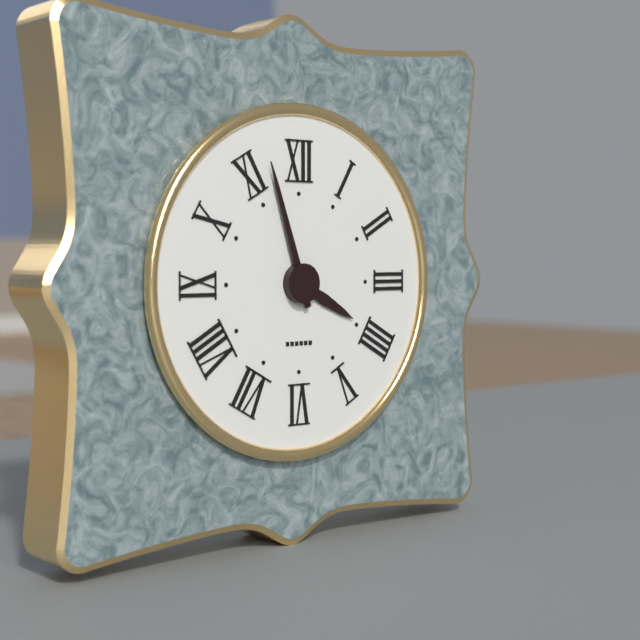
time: **3:57**
